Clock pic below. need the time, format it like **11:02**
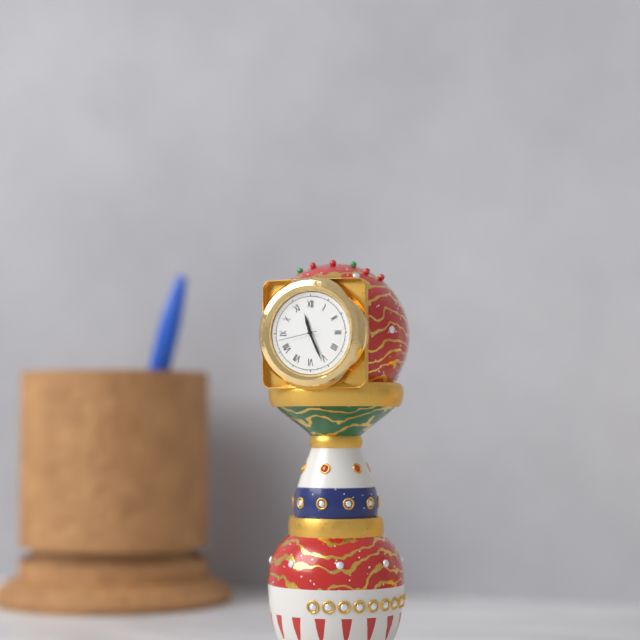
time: **11:26**
